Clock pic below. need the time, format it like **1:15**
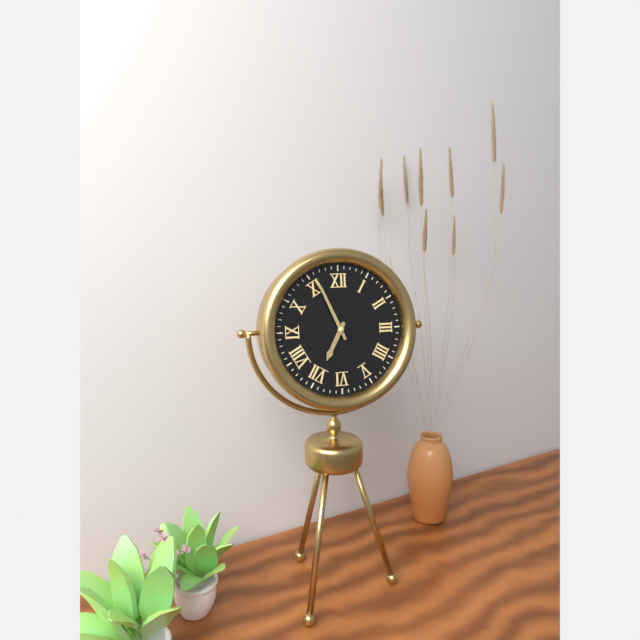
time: **6:56**
